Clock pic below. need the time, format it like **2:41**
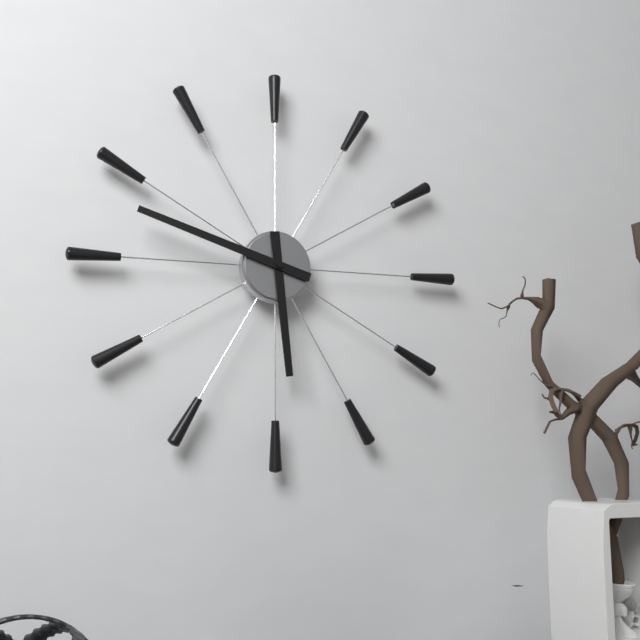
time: **5:48**
